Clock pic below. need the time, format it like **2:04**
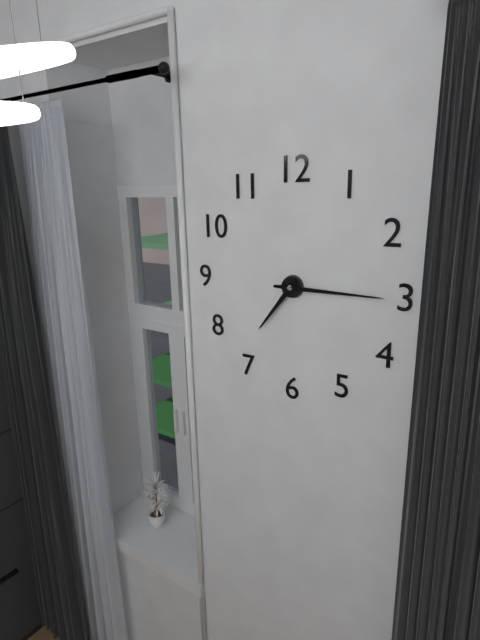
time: **7:15**
